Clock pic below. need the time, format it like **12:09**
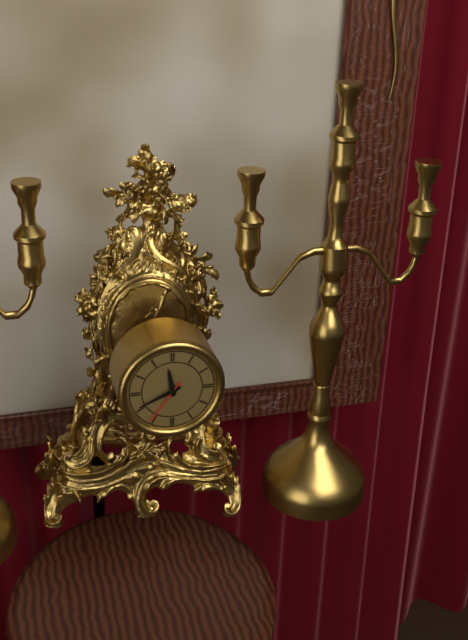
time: **11:41**
